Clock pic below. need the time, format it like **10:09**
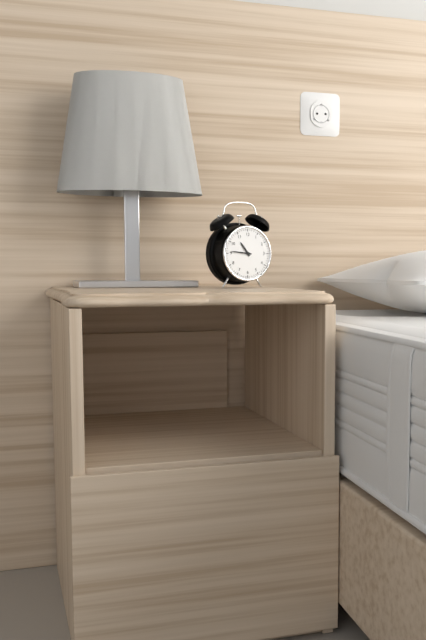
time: **10:46**
